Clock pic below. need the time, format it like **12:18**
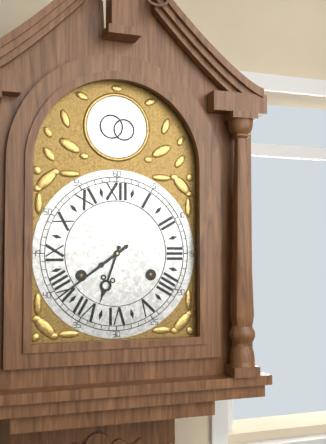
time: **6:39**
